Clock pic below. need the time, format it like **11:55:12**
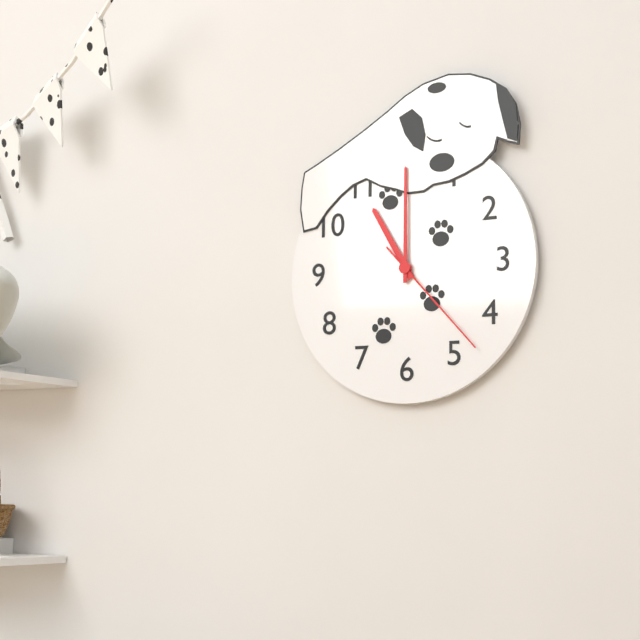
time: **11:00:23**
